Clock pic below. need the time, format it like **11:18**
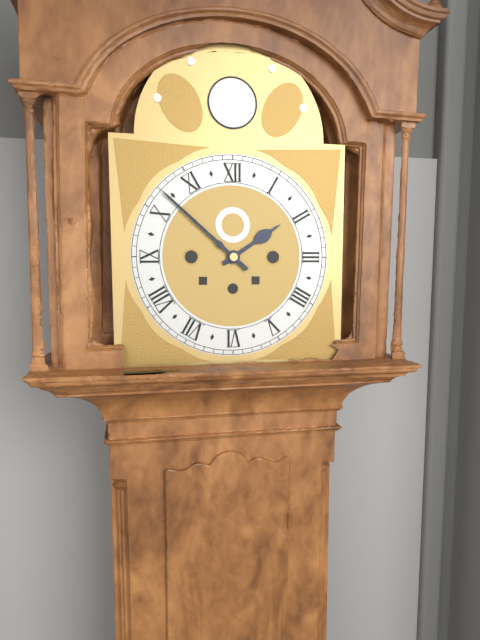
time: **1:52**
